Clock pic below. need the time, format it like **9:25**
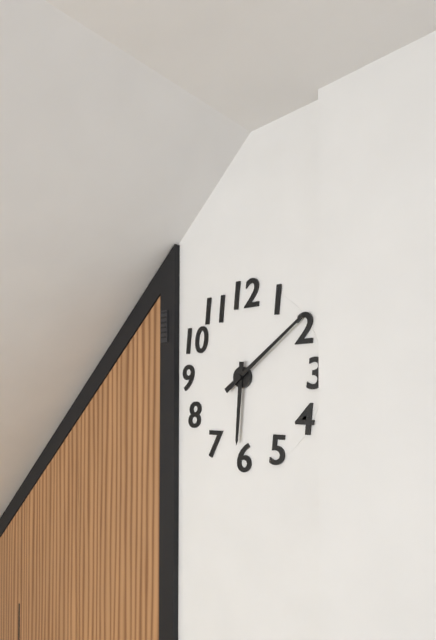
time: **6:09**
